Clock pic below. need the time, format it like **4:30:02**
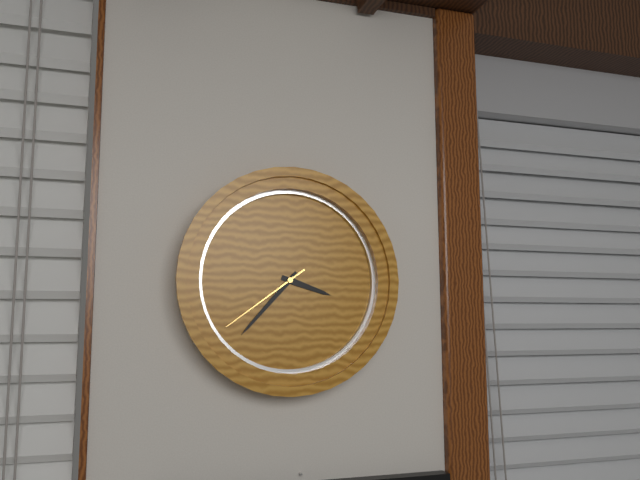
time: **3:37:39**
